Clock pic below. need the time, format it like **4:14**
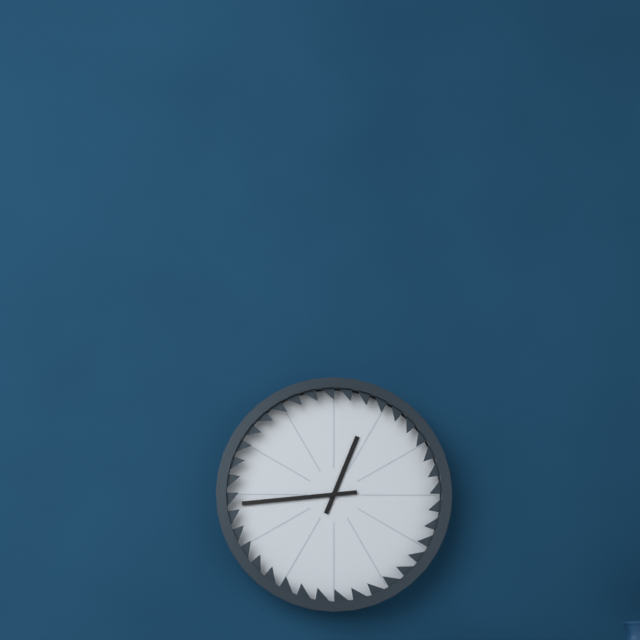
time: **12:44**
